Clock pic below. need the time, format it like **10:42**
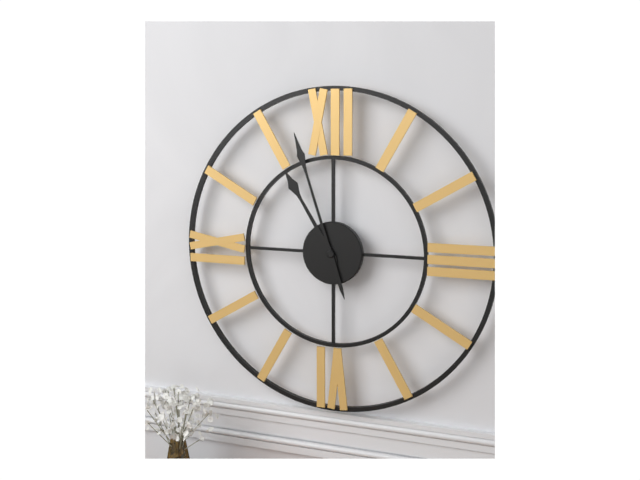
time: **10:57**
